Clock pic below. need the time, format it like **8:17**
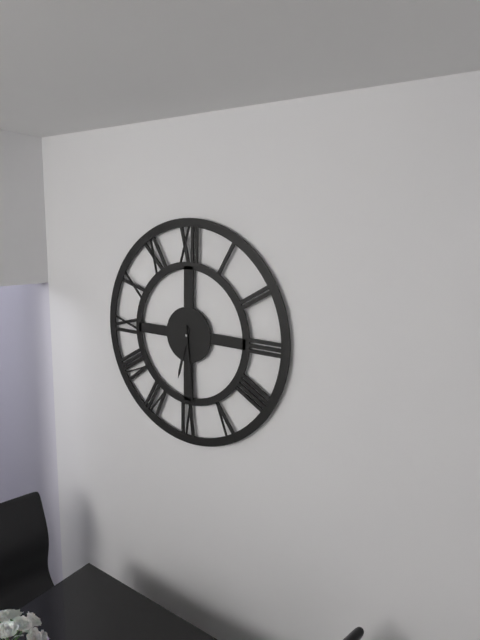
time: **6:29**
